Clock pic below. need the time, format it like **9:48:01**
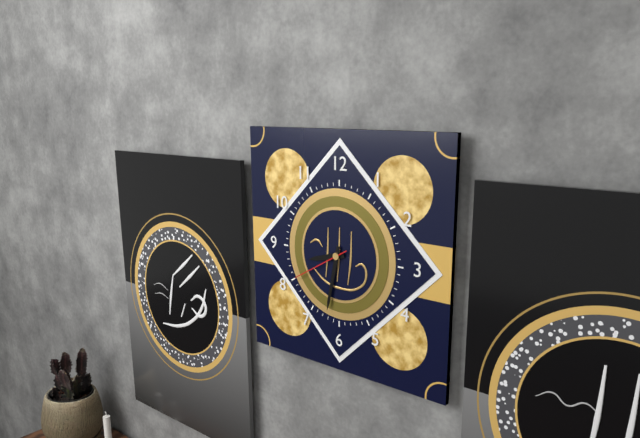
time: **8:32:40**
